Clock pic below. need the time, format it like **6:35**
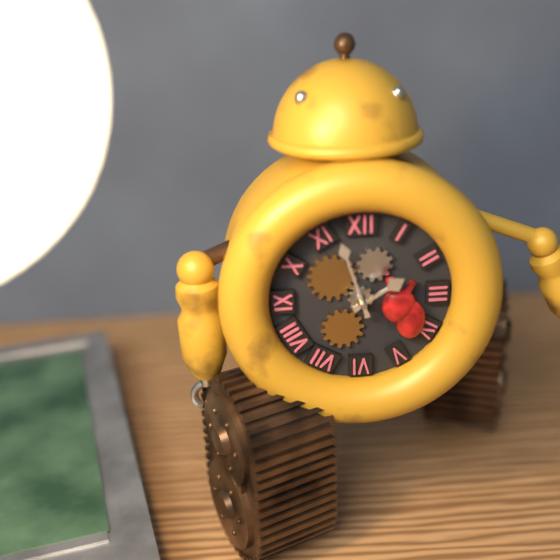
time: **1:57**
